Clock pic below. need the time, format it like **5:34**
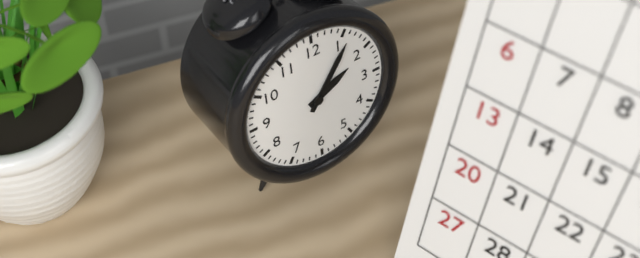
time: **2:06**
